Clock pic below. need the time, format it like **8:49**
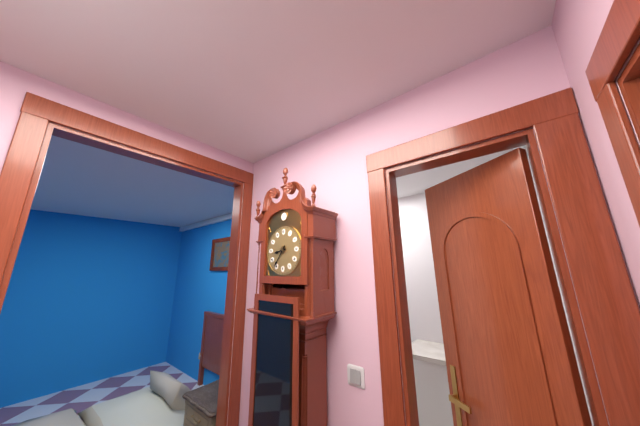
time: **8:36**
